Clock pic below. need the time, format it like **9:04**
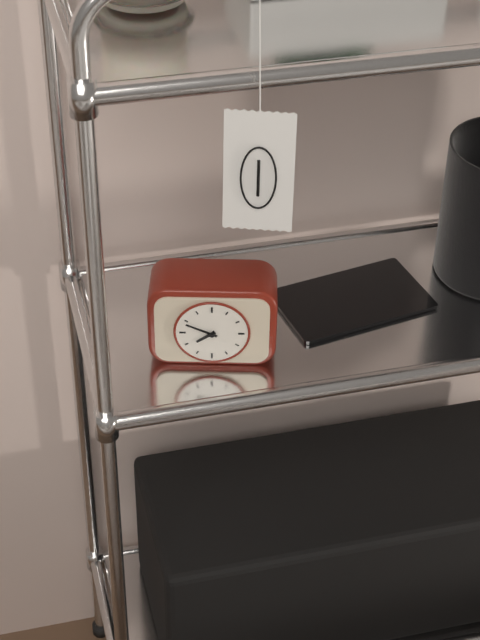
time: **7:49**
